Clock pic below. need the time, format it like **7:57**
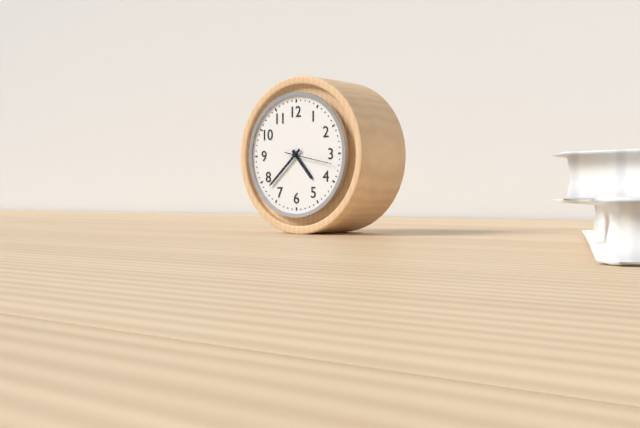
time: **4:38**
